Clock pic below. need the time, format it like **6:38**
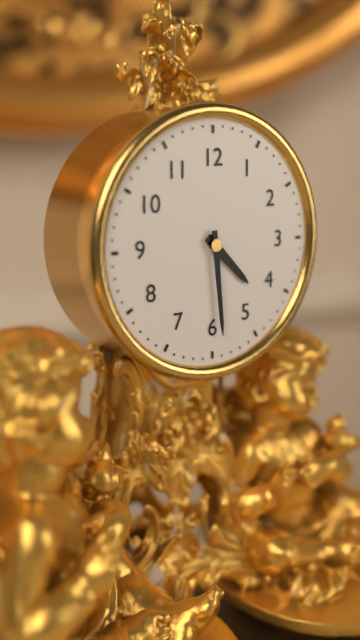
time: **4:29**
